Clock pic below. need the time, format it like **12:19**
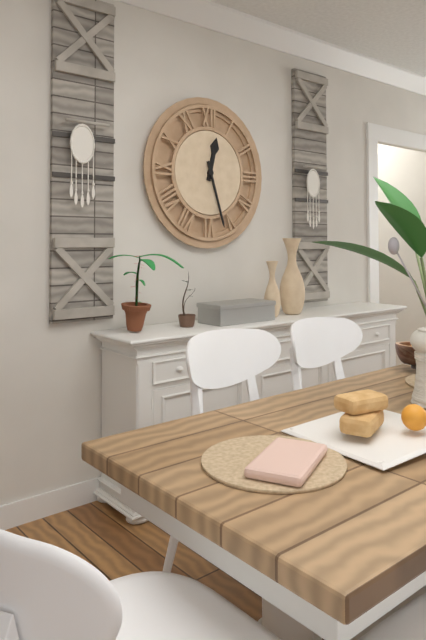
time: **12:27**
